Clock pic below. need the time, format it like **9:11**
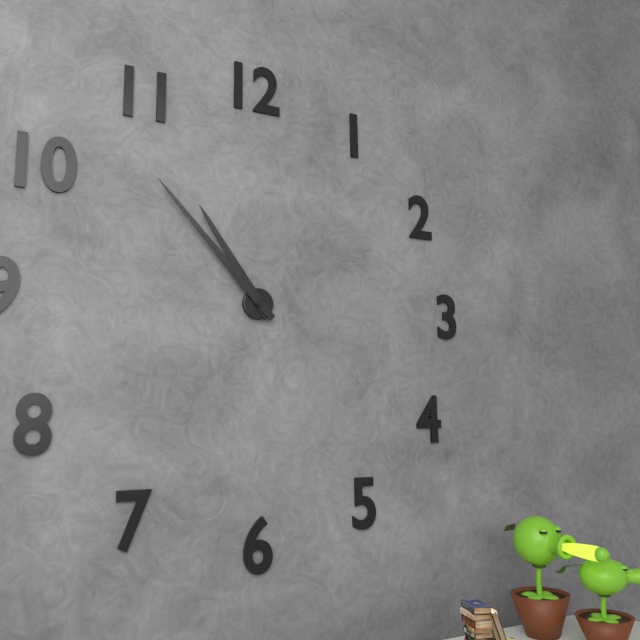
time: **10:53**
